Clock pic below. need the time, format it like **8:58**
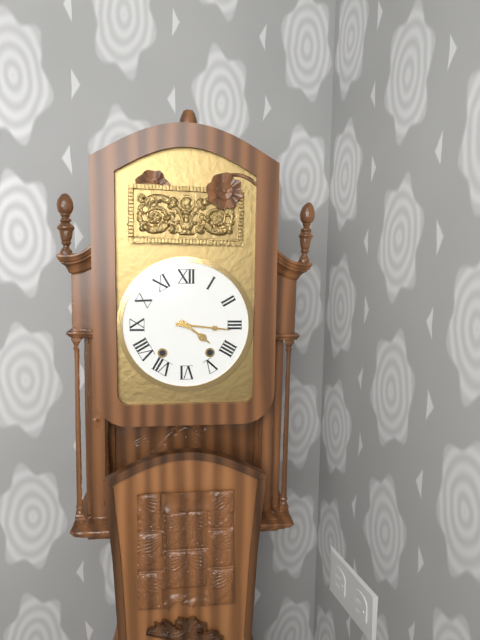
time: **4:16**
